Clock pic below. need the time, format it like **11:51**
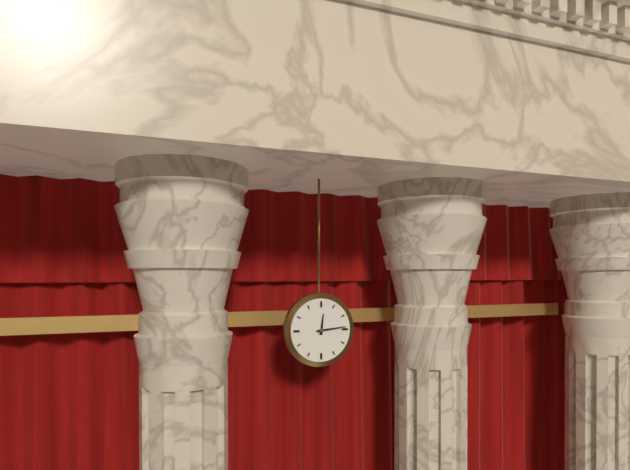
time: **12:14**
